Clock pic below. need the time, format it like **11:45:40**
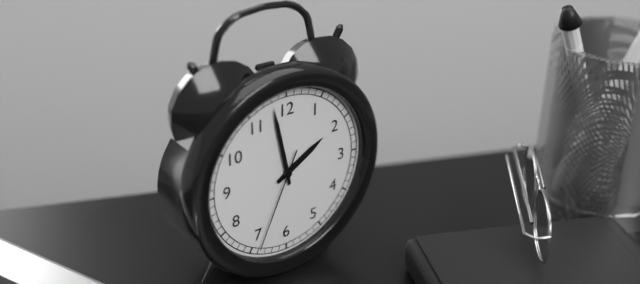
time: **1:58:34**
